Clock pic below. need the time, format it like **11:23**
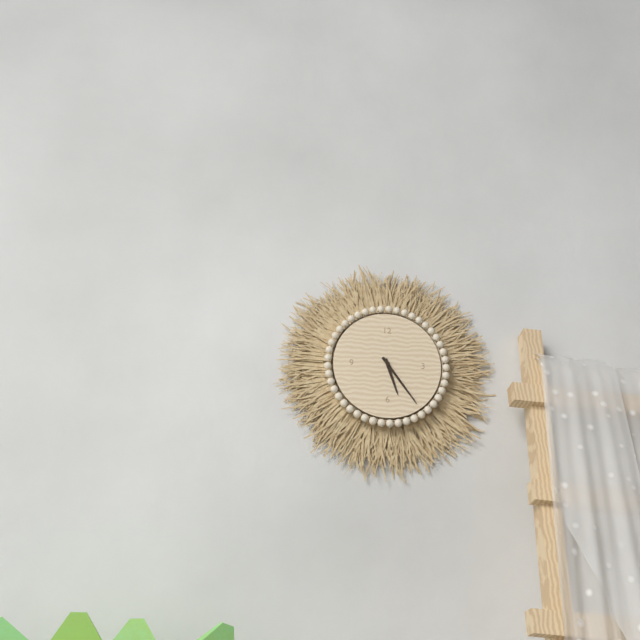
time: **5:24**
